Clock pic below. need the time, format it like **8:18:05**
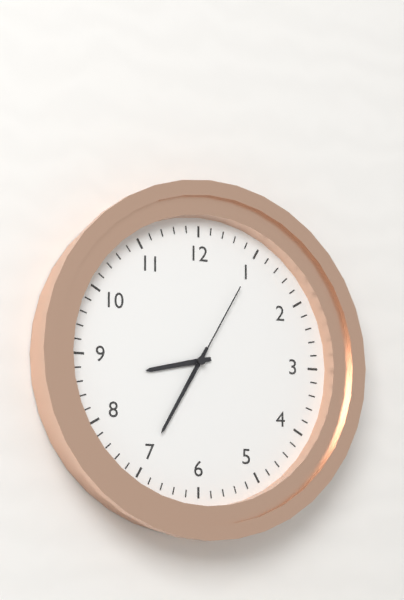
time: **8:35:05**
